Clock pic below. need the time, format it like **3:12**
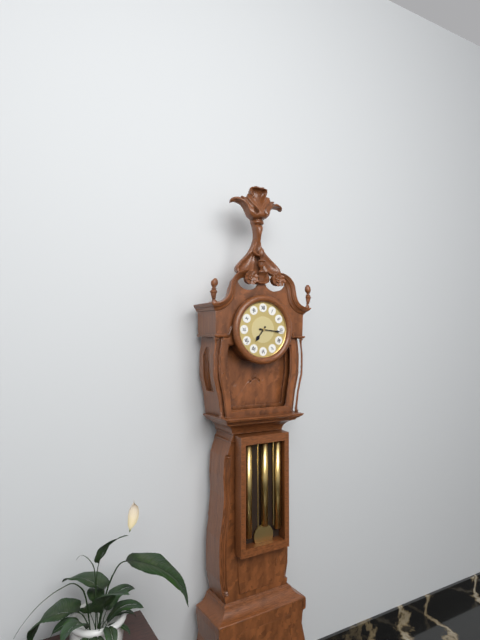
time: **7:16**
